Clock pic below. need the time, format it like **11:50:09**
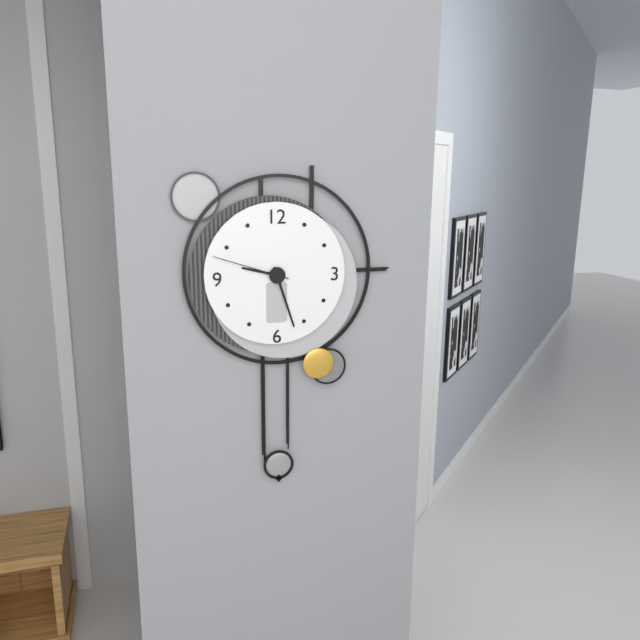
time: **9:27:48**
